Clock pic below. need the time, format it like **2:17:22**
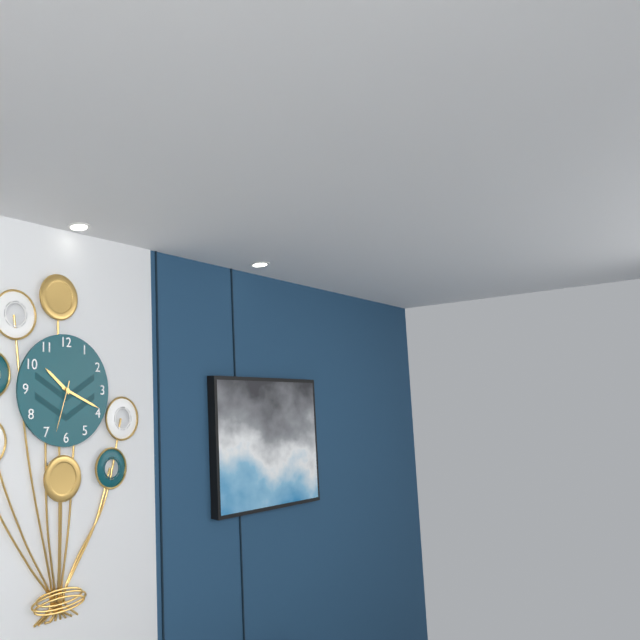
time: **10:19:33**
